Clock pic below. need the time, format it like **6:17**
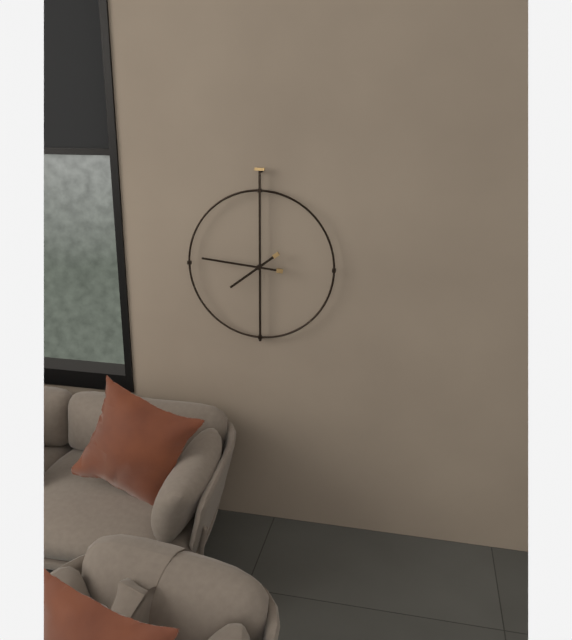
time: **7:46**
